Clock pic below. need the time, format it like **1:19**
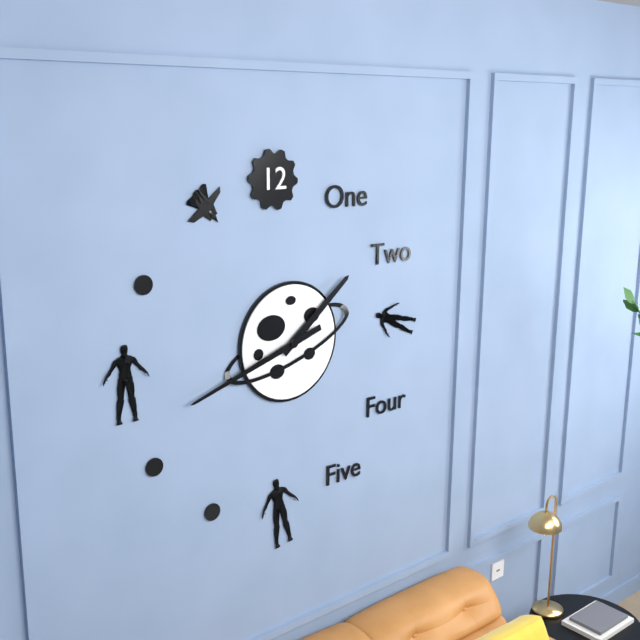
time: **1:42**
